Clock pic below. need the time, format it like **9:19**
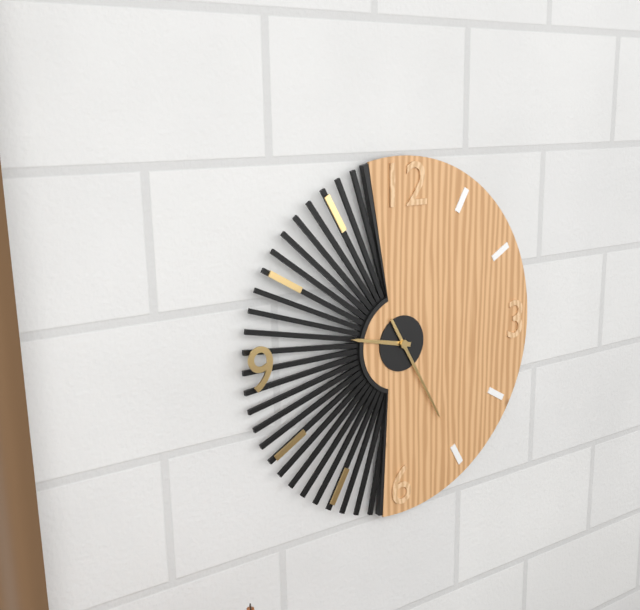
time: **9:25**
